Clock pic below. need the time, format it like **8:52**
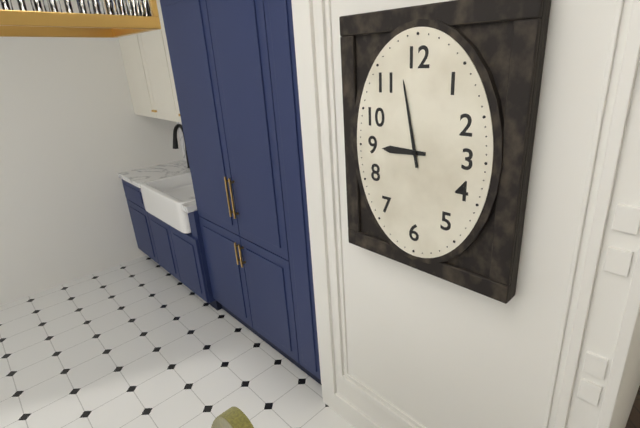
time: **8:58**
